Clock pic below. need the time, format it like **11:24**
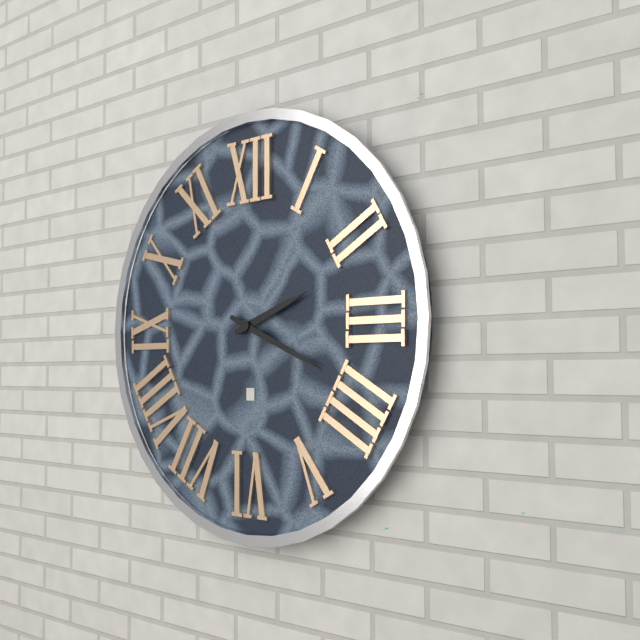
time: **2:19**
